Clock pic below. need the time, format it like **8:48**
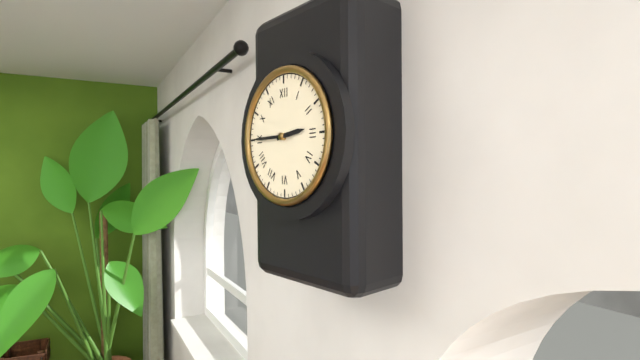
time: **2:45**
